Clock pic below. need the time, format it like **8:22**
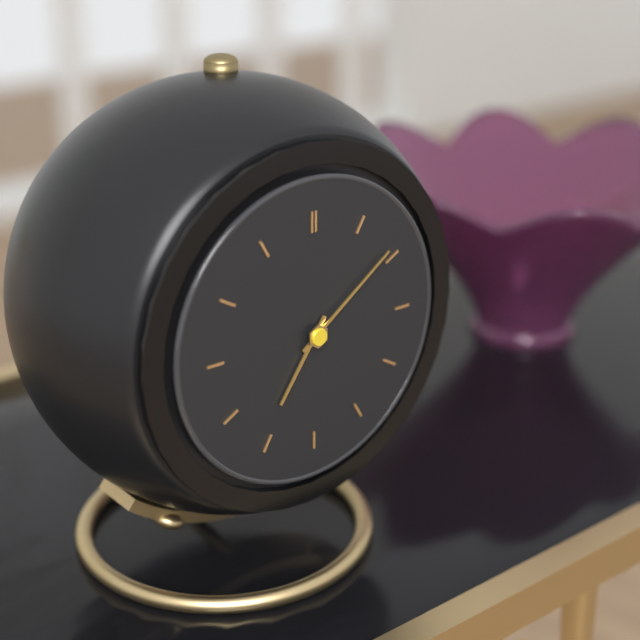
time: **7:09**
